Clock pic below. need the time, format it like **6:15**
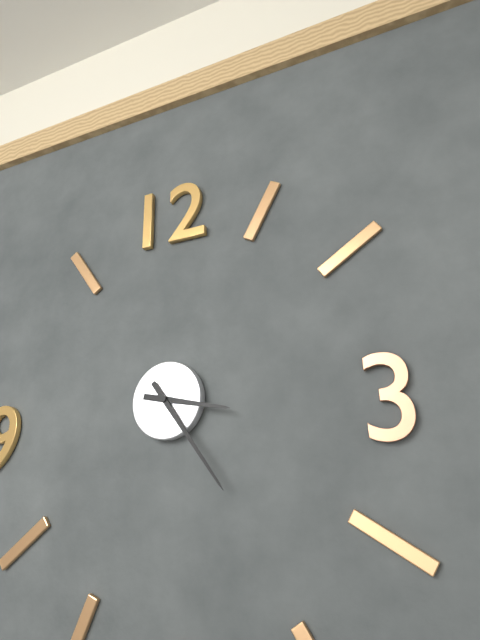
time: **3:24**
